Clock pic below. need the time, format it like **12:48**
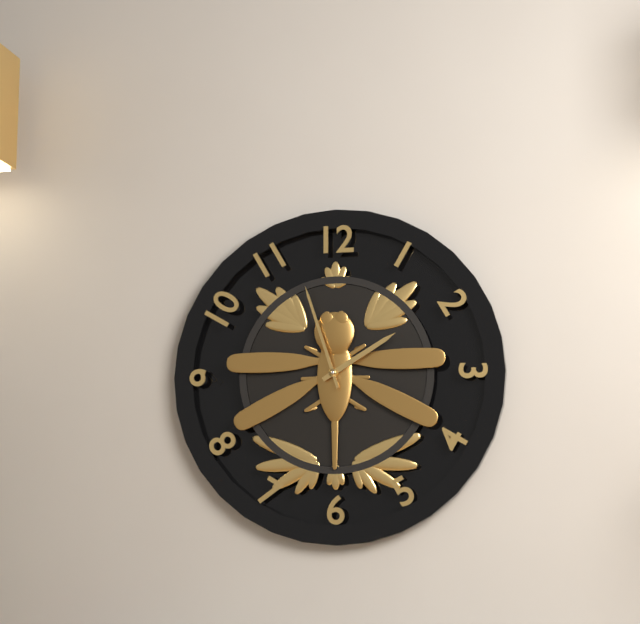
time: **1:57**
